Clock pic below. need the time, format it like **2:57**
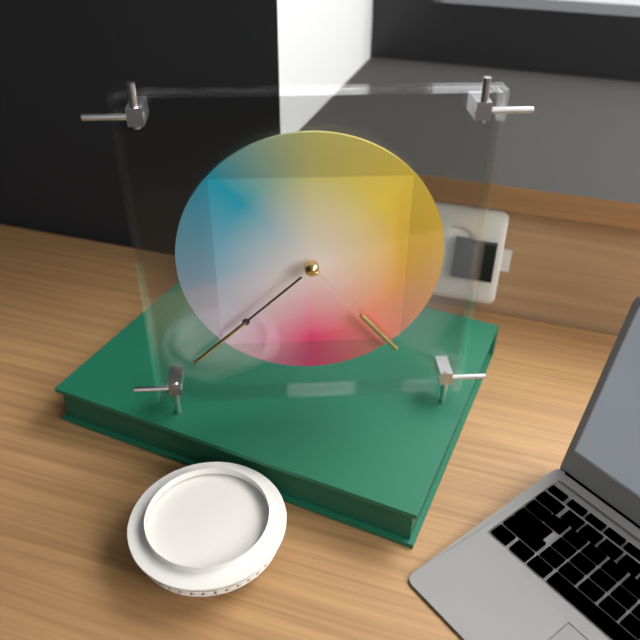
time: **4:38**
